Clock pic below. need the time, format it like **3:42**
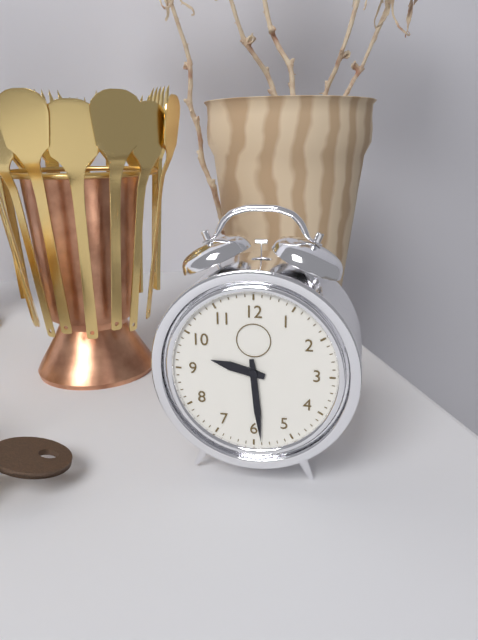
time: **9:29**
